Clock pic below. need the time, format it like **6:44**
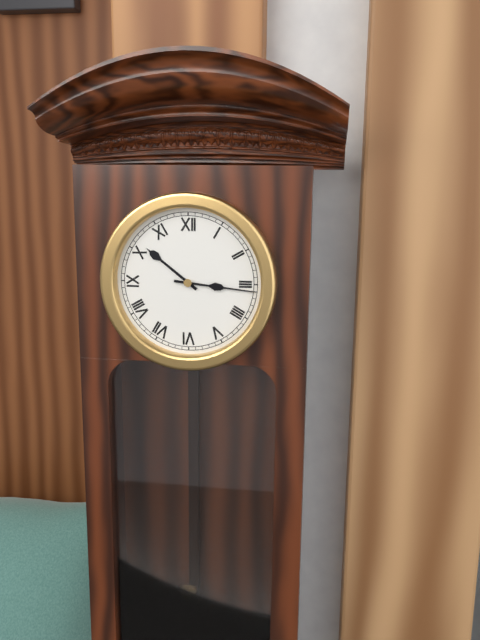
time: **10:16**
